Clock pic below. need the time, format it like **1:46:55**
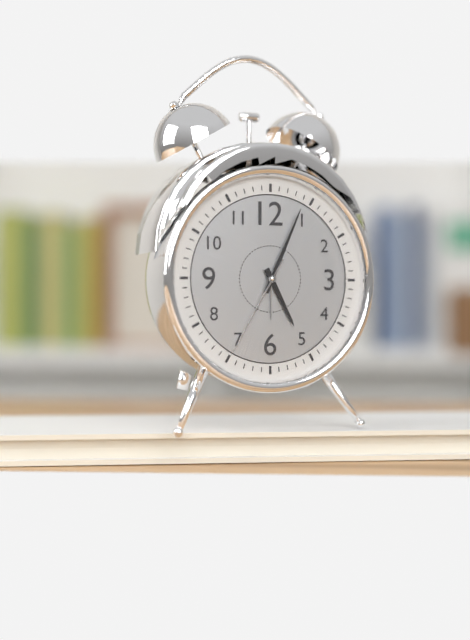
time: **5:04:35**
